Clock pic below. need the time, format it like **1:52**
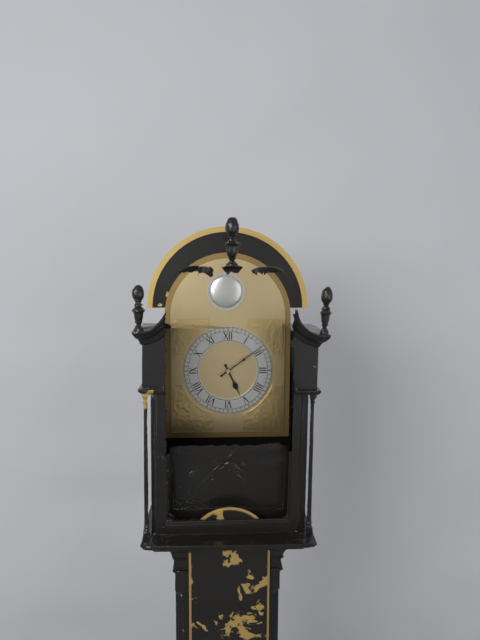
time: **5:09**
